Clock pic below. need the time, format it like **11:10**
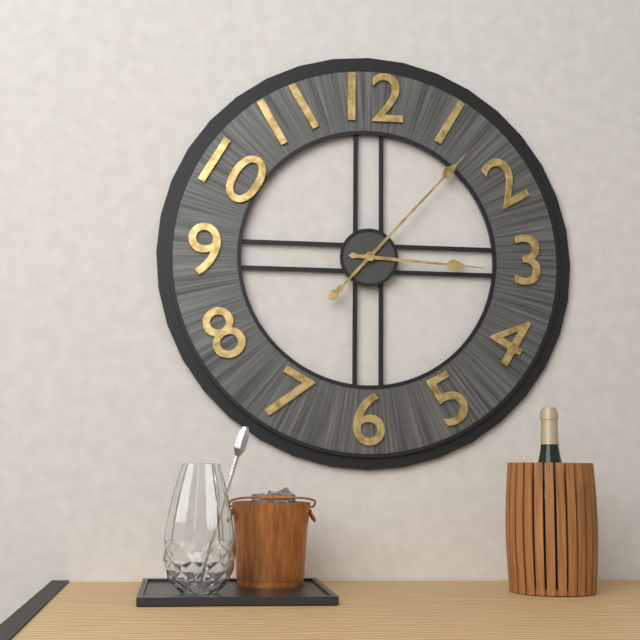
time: **3:07**
